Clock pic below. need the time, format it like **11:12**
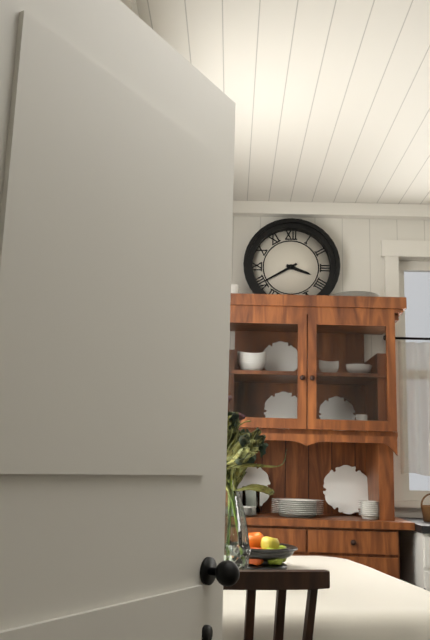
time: **3:40**
